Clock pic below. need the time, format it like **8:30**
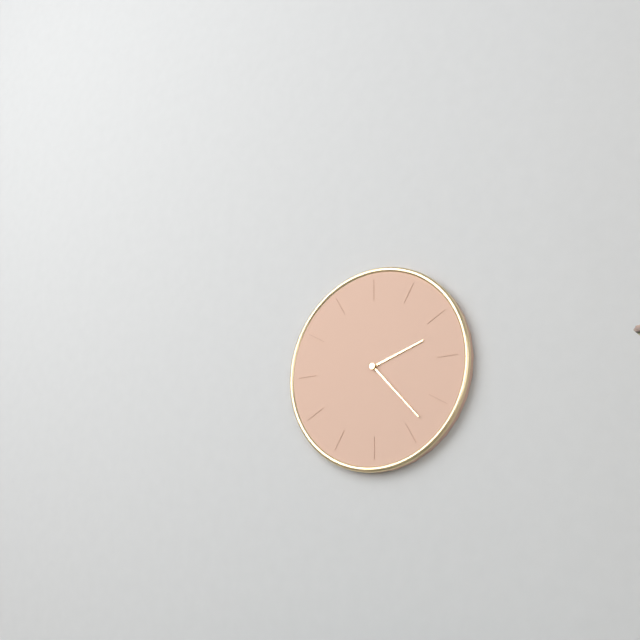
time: **2:23**
